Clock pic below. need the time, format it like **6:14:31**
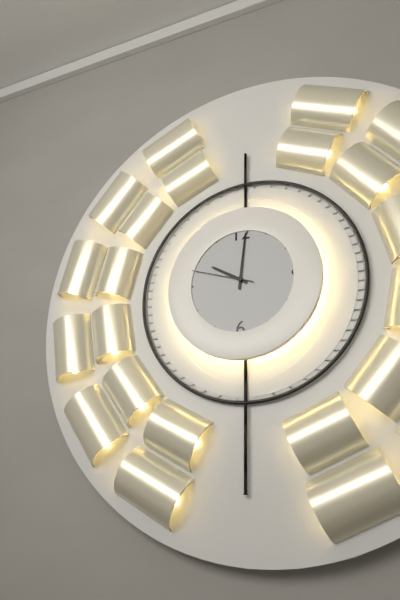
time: **10:01:48**
